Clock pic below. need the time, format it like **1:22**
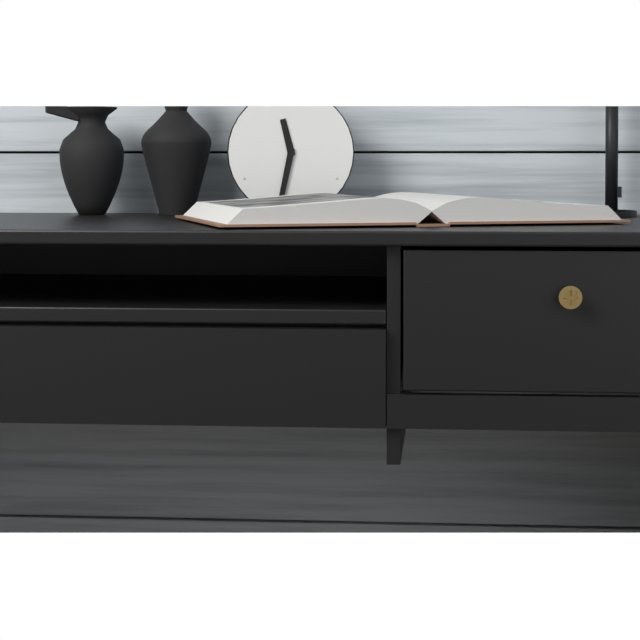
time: **11:32**
